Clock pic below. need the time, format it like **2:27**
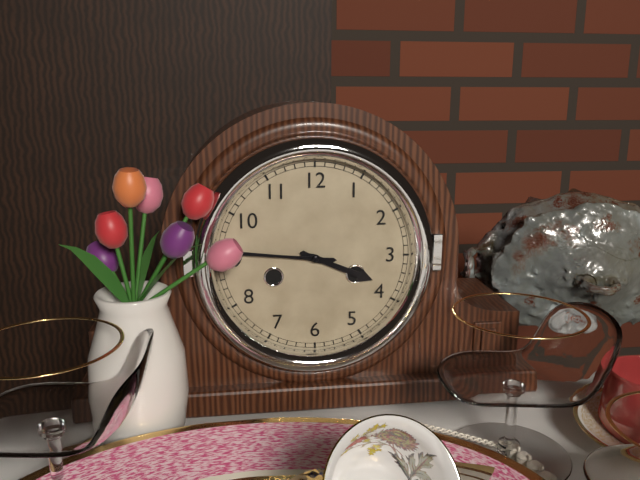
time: **3:46**
